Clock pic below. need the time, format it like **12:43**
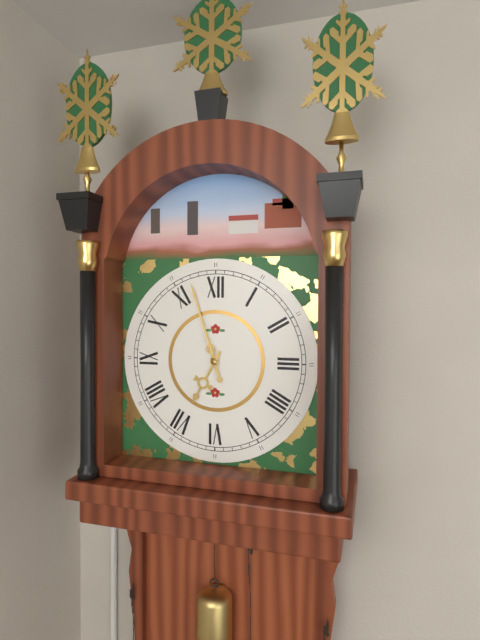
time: **6:57**
